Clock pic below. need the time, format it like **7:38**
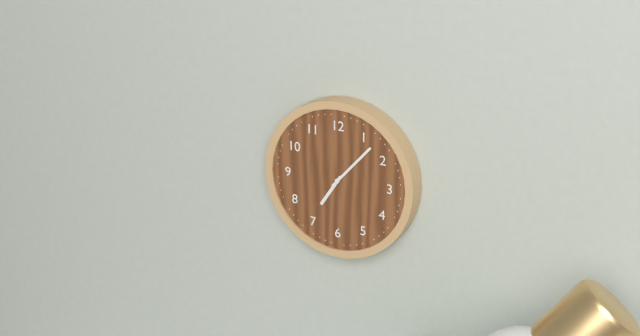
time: **7:07**
